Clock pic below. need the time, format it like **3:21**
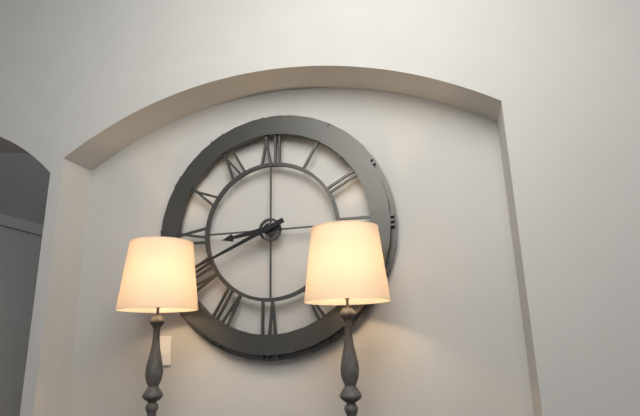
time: **8:41**
